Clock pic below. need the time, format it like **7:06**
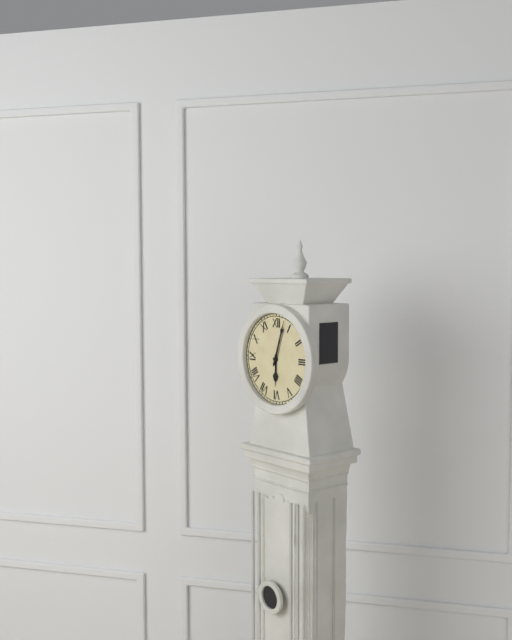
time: **6:03**
